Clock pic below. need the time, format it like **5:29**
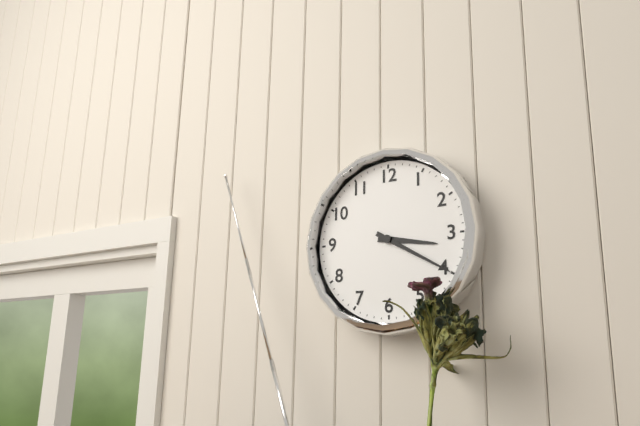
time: **3:20**
